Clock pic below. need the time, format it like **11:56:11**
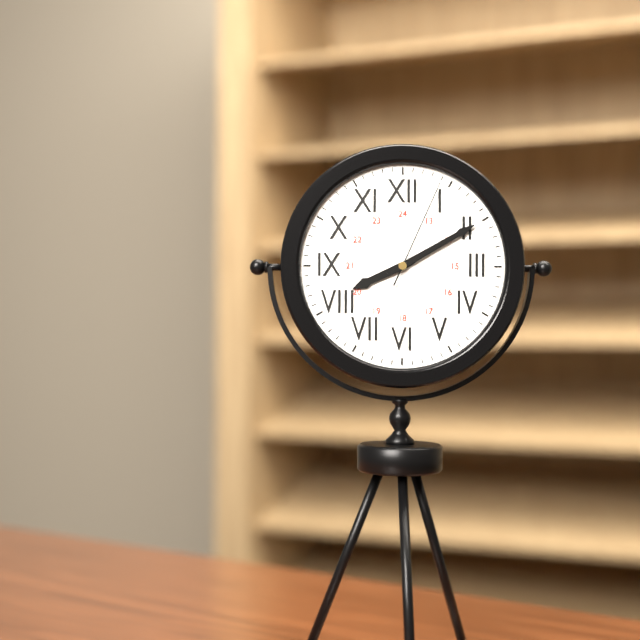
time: **8:10:04**
